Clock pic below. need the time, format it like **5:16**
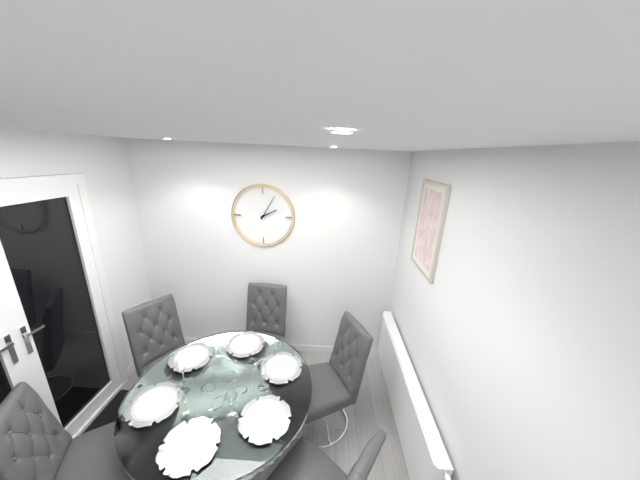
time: **2:05**
